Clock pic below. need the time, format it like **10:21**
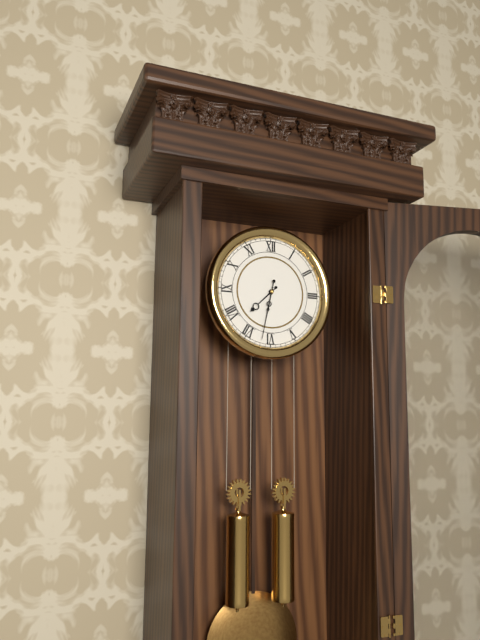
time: **7:32**
